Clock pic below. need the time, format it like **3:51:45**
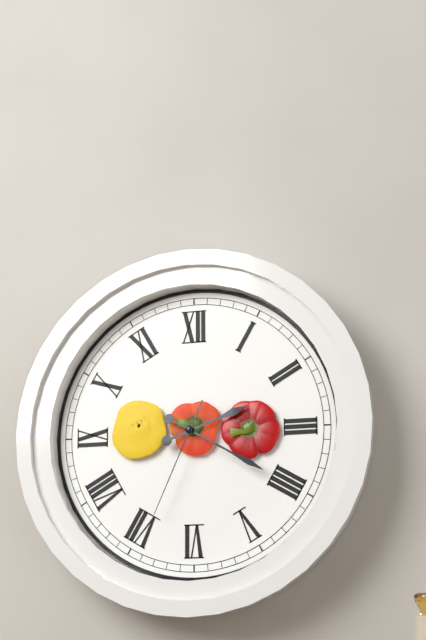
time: **2:20:34**
